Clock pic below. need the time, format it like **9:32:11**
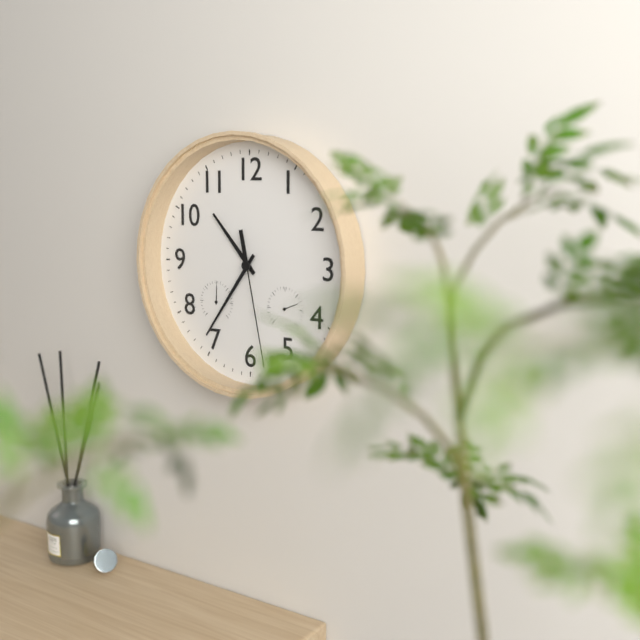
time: **10:36:28**
